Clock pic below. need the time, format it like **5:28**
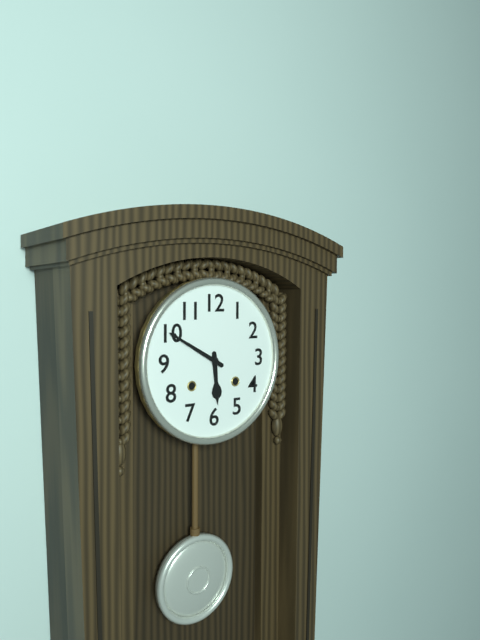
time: **5:50**
